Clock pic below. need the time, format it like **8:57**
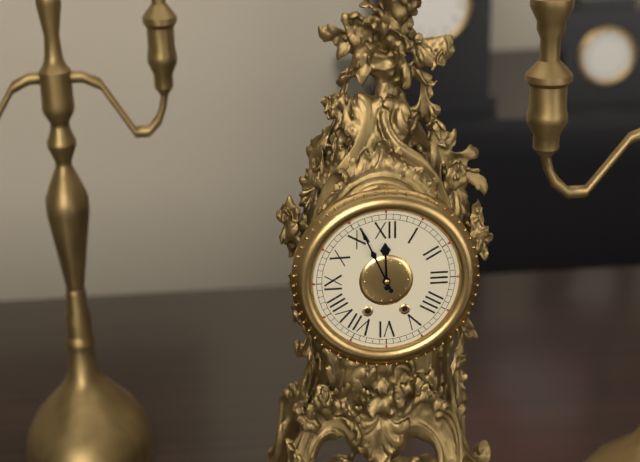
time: **11:56**
